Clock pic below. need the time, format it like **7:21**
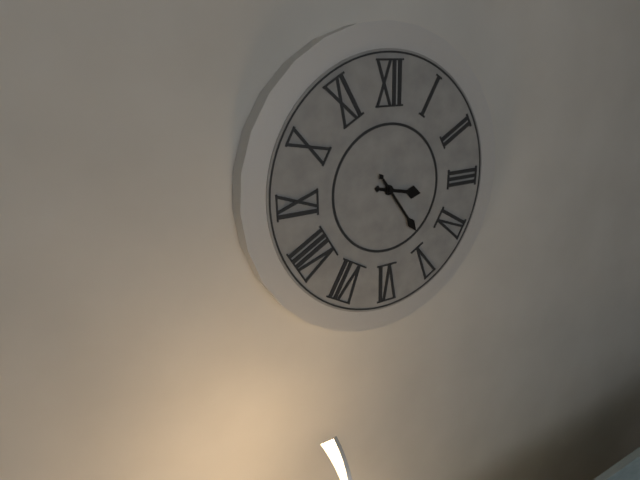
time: **3:24**
